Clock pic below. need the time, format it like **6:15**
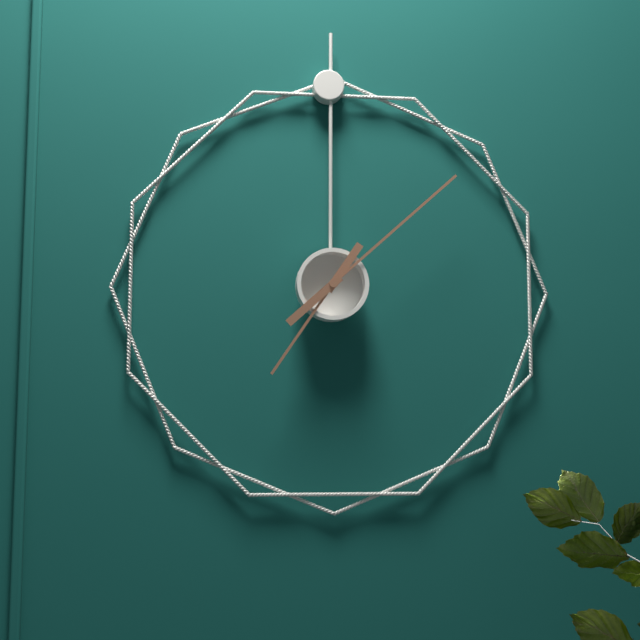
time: **7:08**
